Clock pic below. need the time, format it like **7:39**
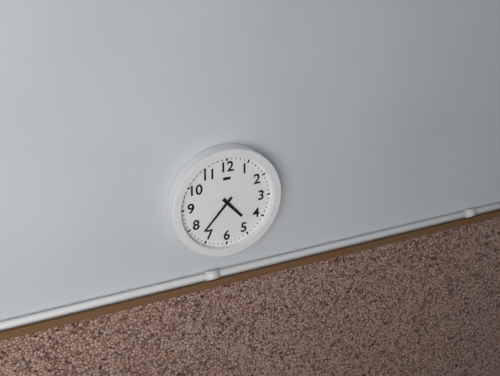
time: **4:37**
